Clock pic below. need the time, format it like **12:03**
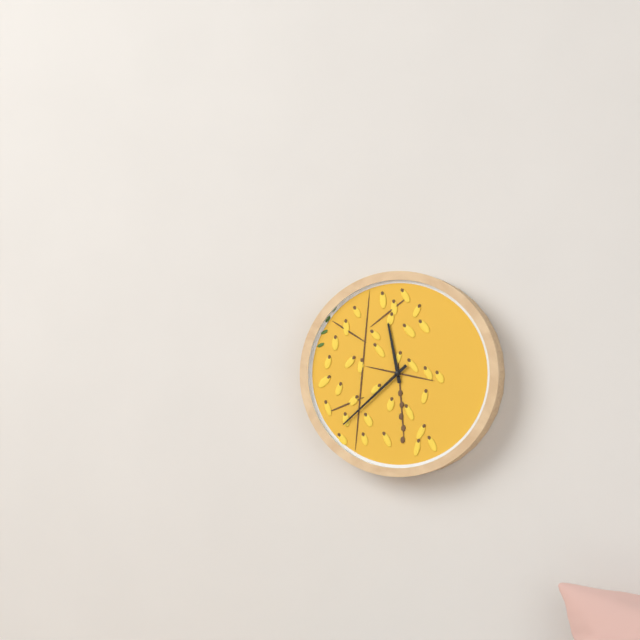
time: **11:38**
